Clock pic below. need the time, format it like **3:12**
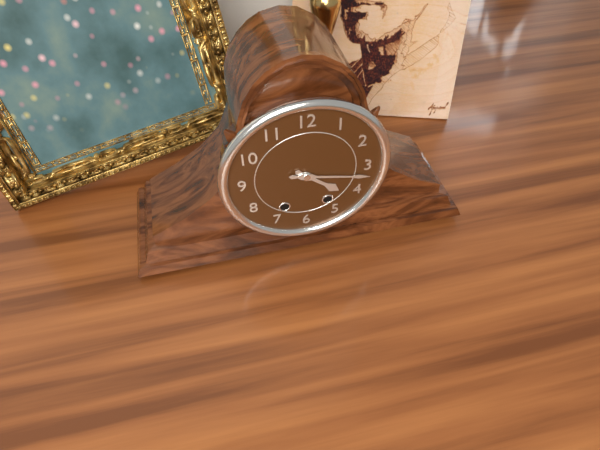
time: **4:17**
